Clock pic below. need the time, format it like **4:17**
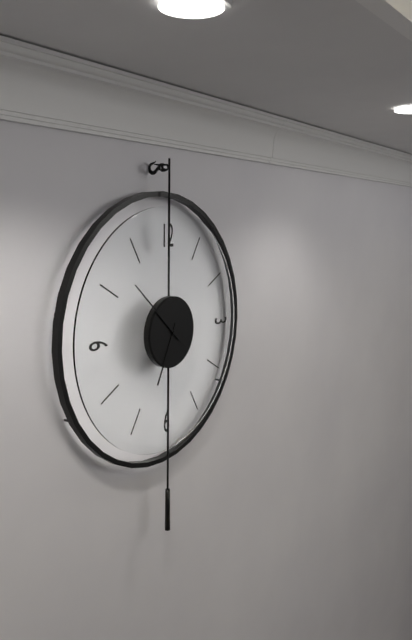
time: **6:52**
